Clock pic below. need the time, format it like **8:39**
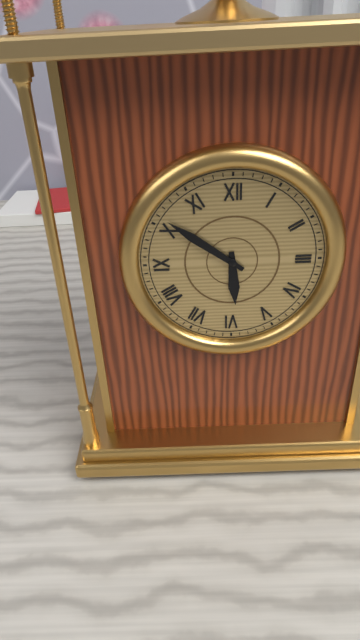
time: **5:51**
